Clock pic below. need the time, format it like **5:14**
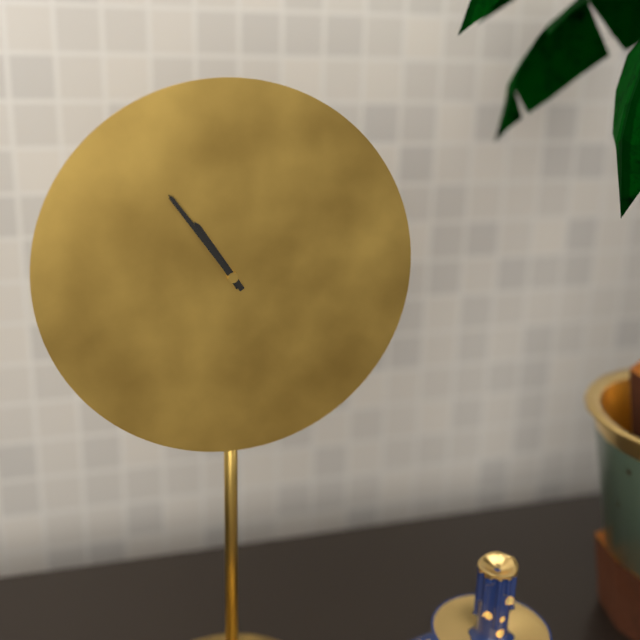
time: **10:54**
